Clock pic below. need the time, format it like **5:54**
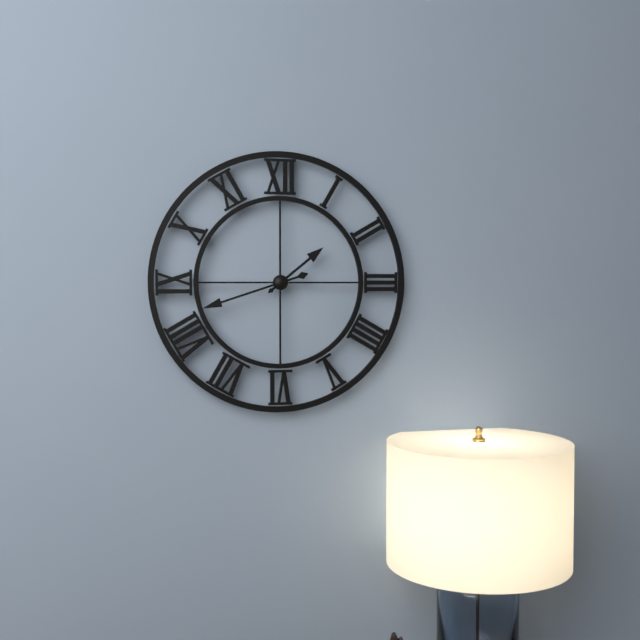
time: **1:42**
